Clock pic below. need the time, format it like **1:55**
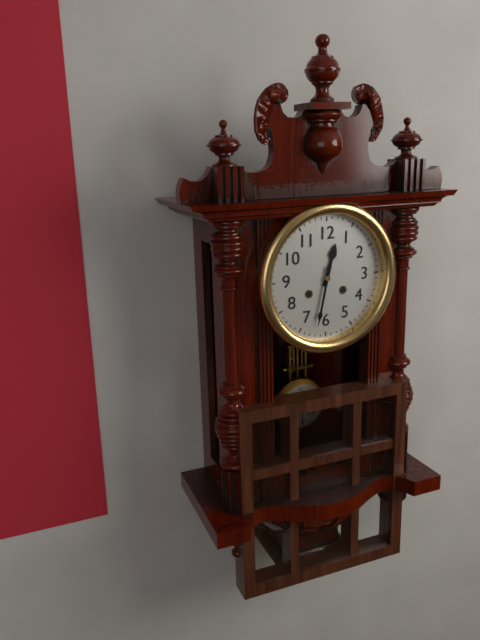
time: **12:32**
